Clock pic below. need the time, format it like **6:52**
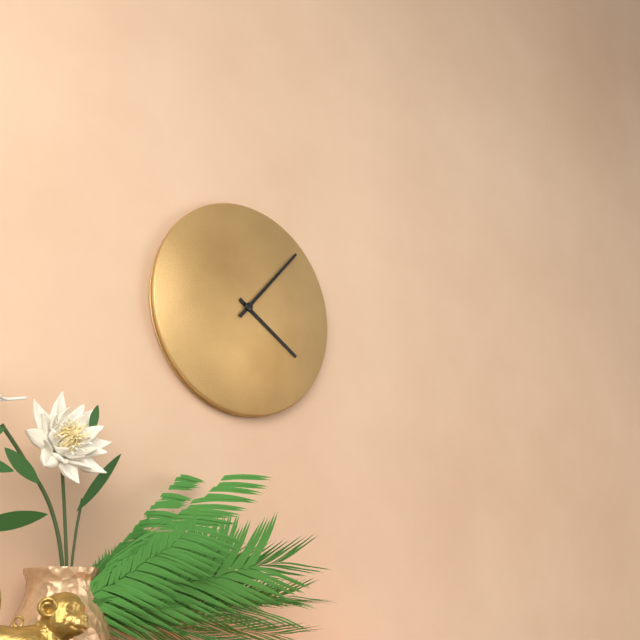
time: **4:07**
